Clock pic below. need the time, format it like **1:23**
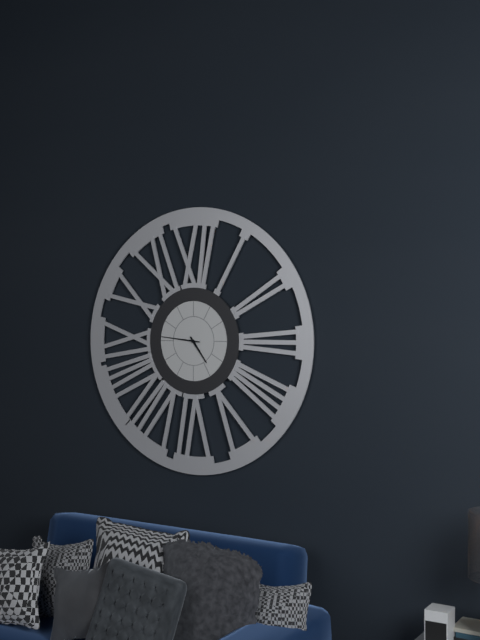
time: **4:46**
